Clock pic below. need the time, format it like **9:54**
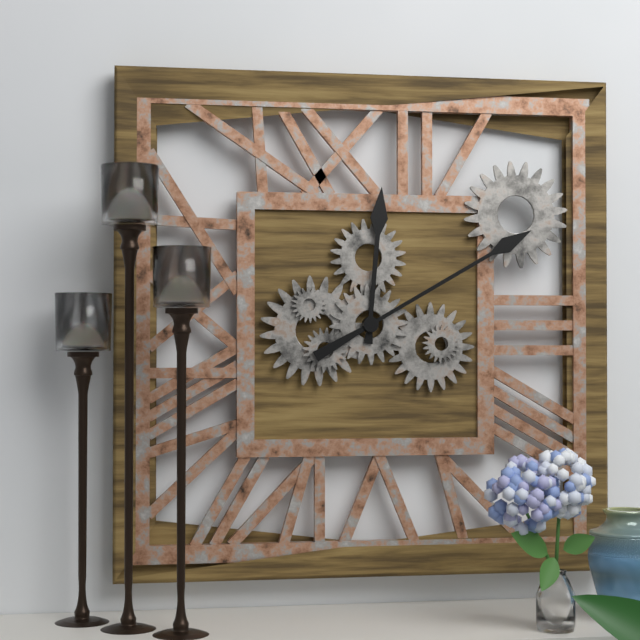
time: **12:10**
